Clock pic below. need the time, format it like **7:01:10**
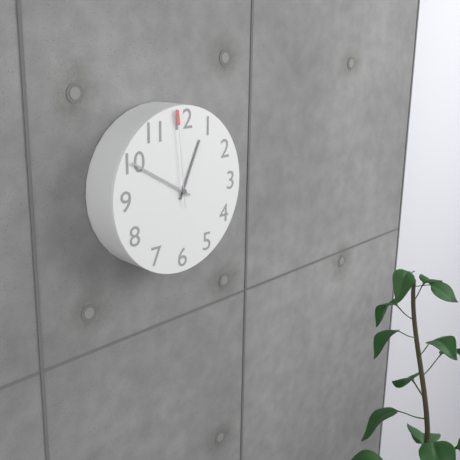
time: **12:50:59**
